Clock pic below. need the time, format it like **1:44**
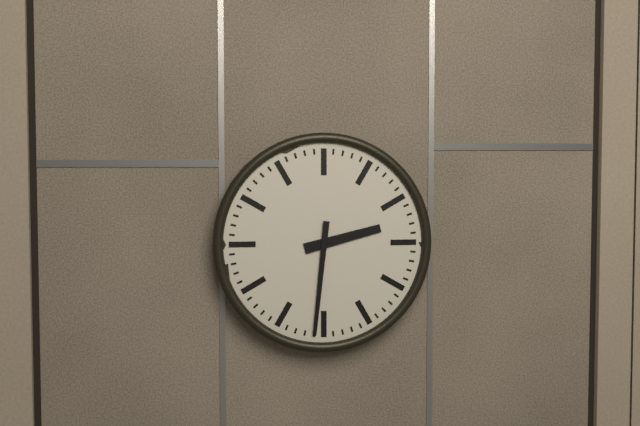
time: **2:31**
